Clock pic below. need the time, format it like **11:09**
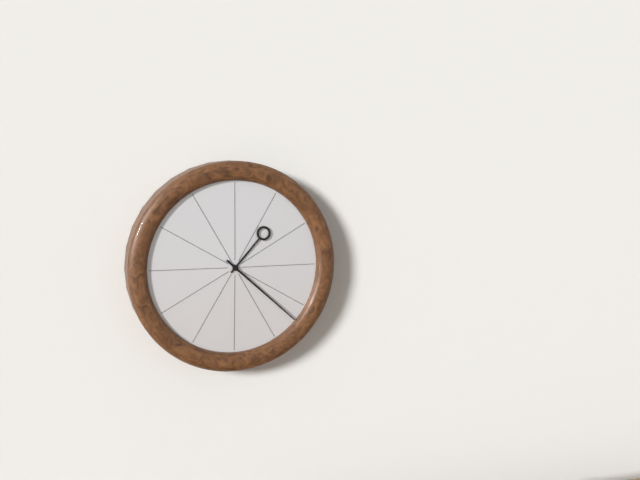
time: **1:22**
